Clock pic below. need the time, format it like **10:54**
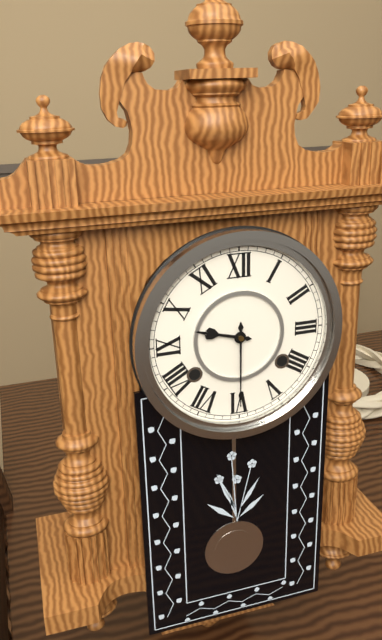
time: **9:30**
